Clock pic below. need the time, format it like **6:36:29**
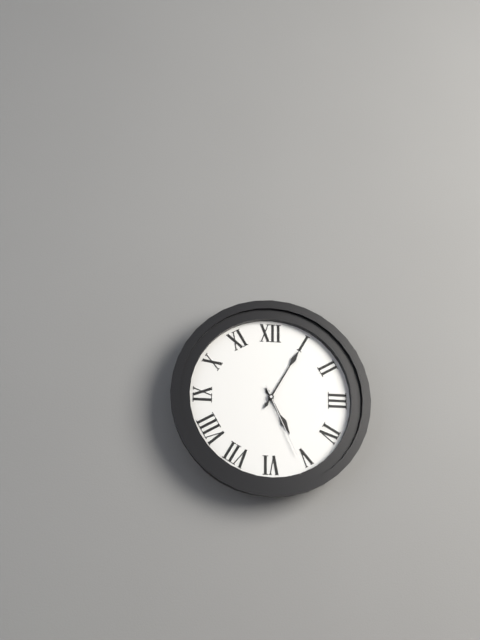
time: **5:05:26**
